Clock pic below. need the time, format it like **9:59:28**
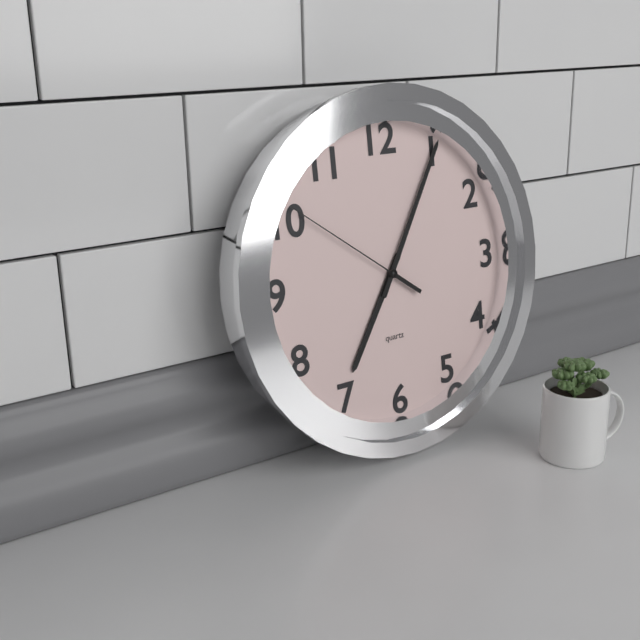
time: **7:05:51**
